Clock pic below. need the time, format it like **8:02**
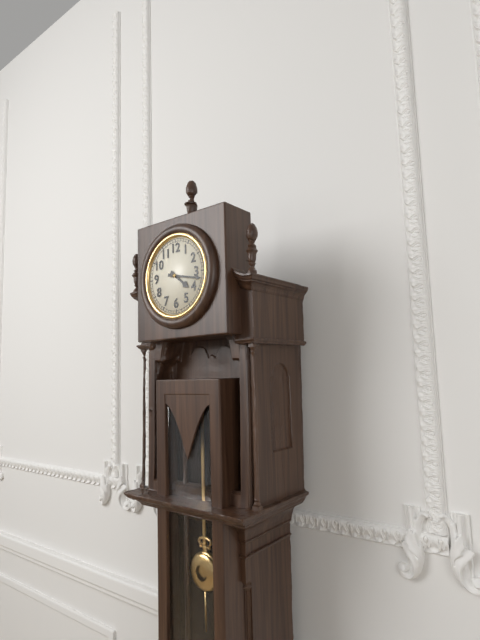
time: **4:17**
